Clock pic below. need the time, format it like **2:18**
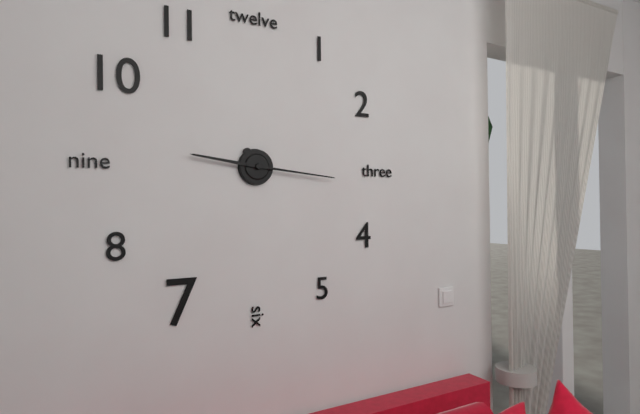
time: **9:16**
